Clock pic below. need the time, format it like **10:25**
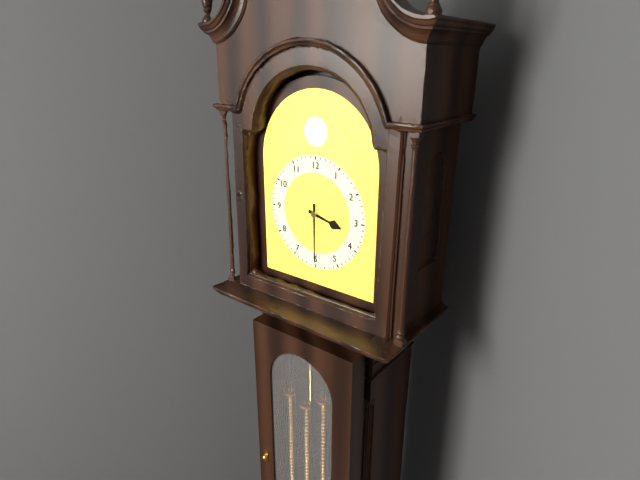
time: **3:30**
